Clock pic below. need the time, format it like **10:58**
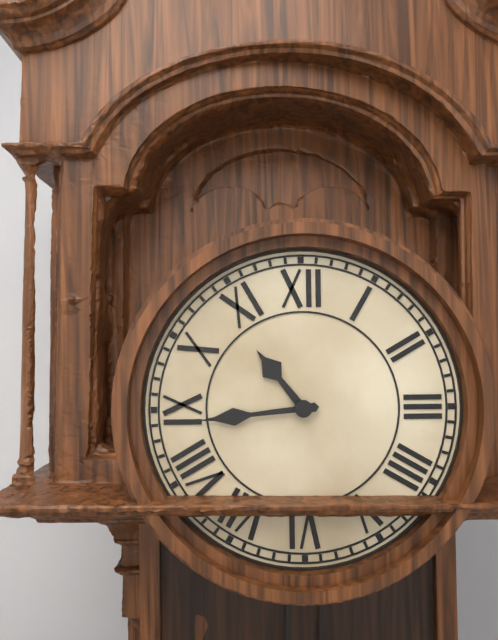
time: **10:44**
